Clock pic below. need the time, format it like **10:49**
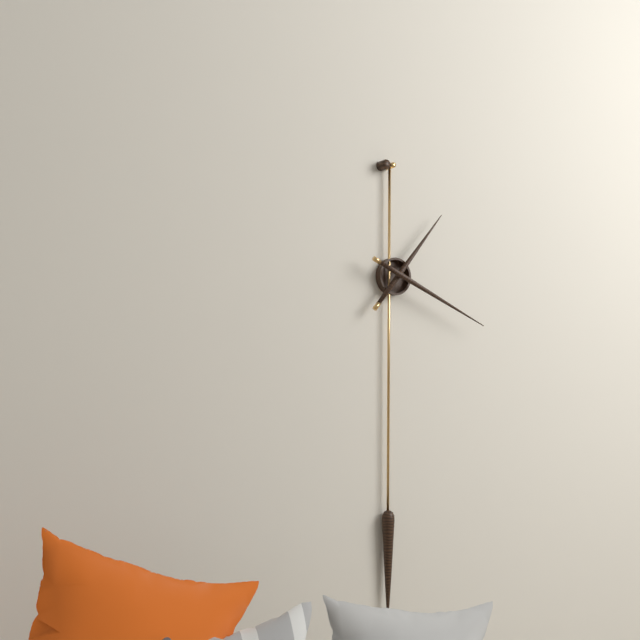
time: **1:19**
